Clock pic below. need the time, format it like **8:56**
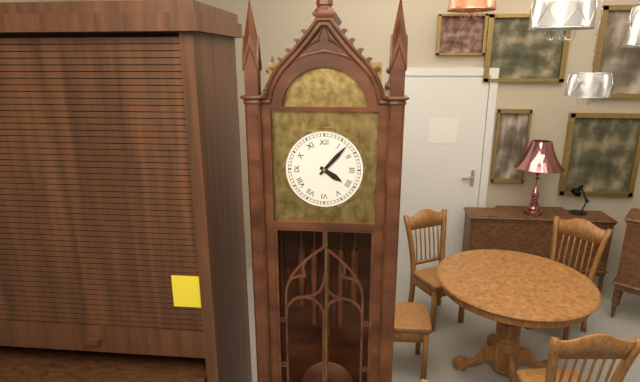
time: **4:07**
